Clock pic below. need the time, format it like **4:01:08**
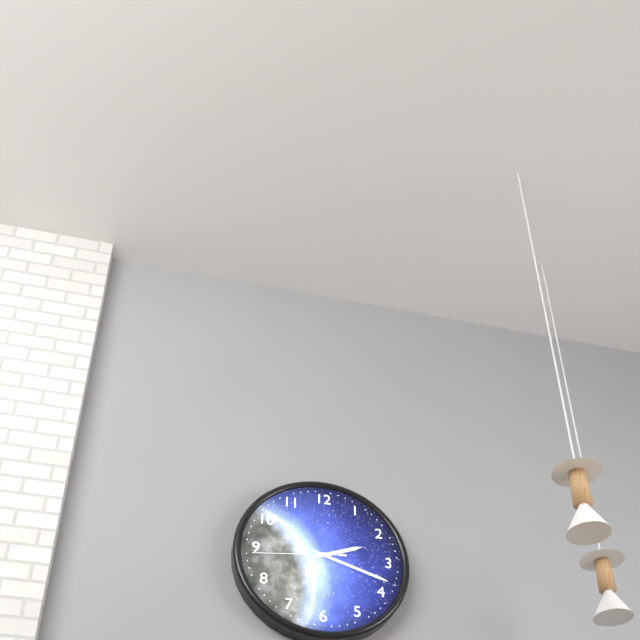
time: **2:18:44**
